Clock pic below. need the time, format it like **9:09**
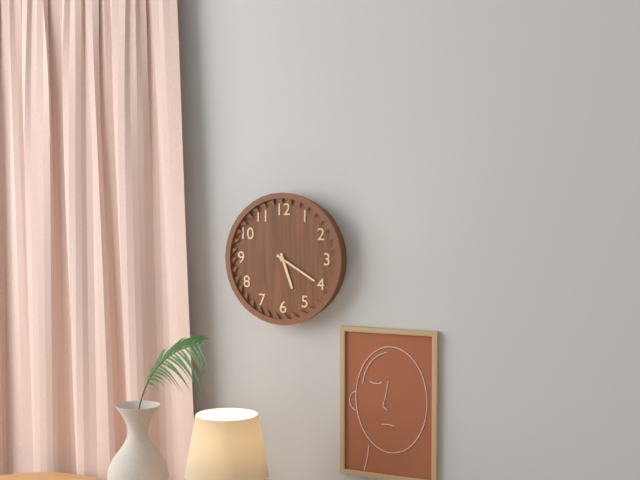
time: **5:20**
